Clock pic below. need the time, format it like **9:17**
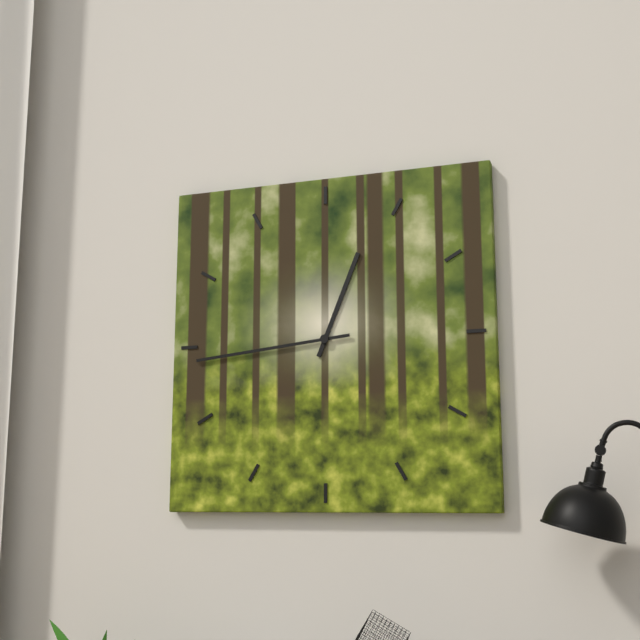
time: **12:44**
